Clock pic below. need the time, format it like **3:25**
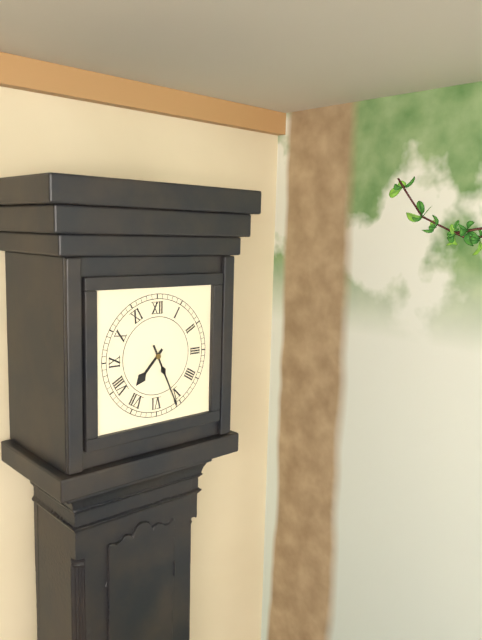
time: **7:26**
